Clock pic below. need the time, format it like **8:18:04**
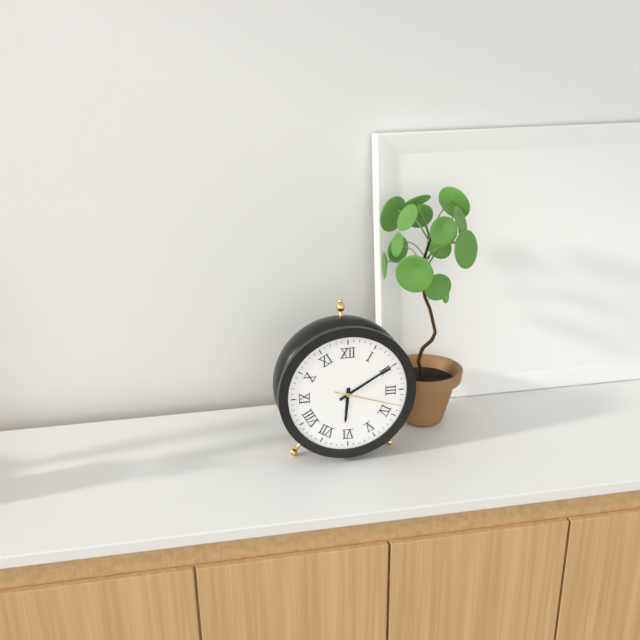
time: **6:10:18**
